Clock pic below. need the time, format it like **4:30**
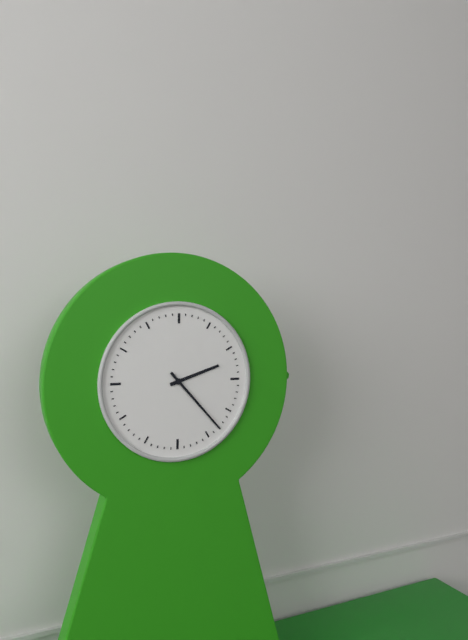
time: **2:23**
